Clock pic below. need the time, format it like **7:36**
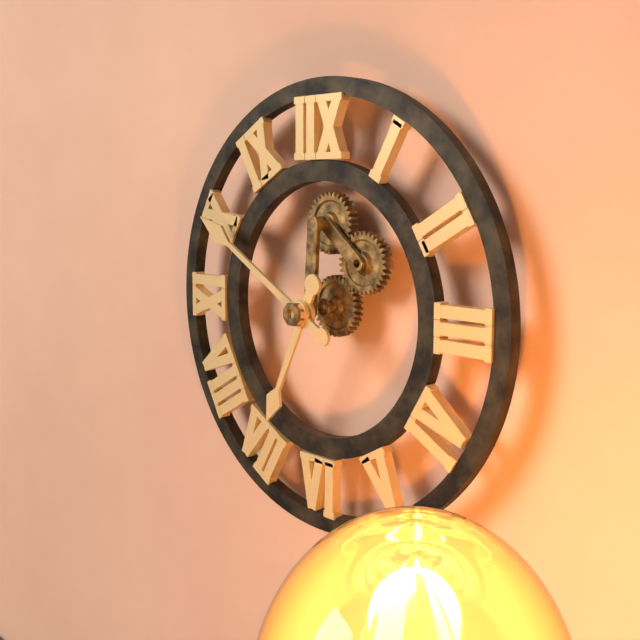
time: **6:50**
